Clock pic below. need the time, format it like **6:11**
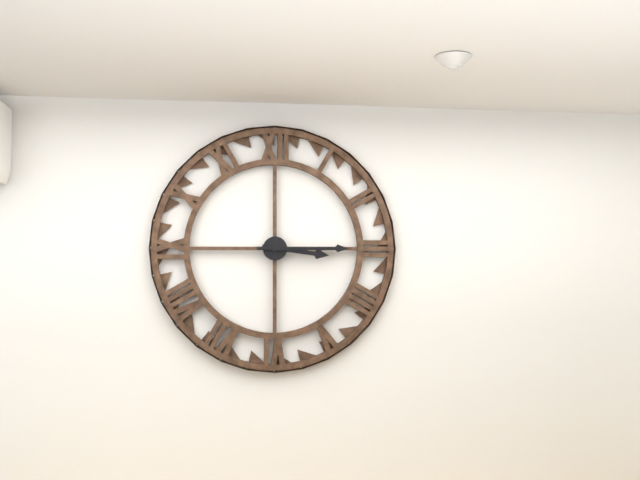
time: **3:15**
